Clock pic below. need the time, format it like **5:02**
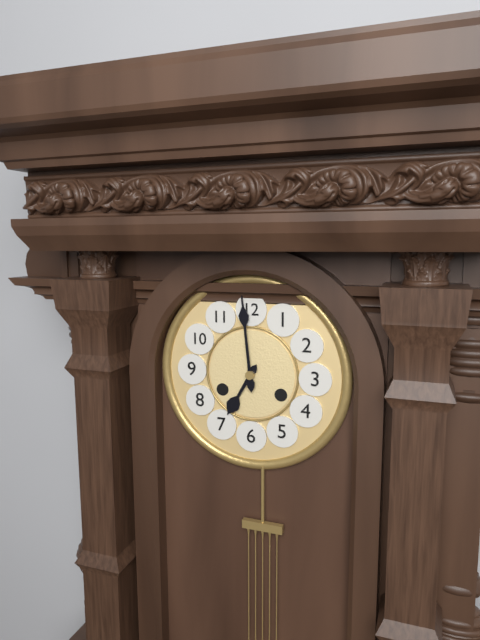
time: **6:59**
